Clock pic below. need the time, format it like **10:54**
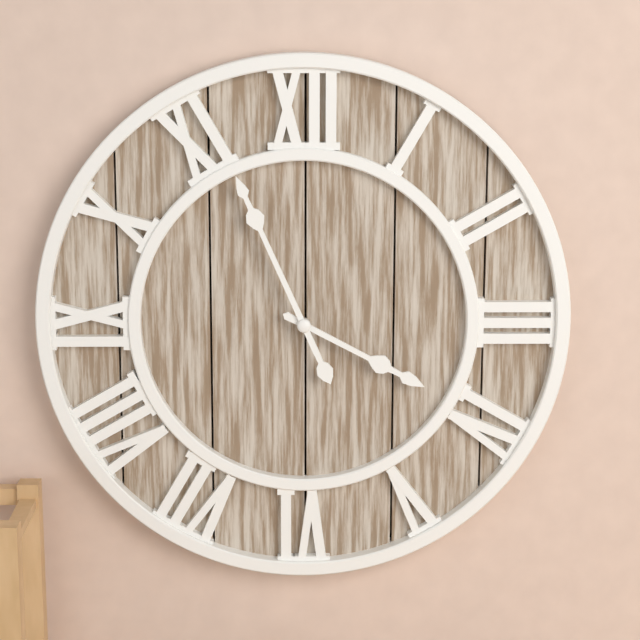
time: **3:56**
